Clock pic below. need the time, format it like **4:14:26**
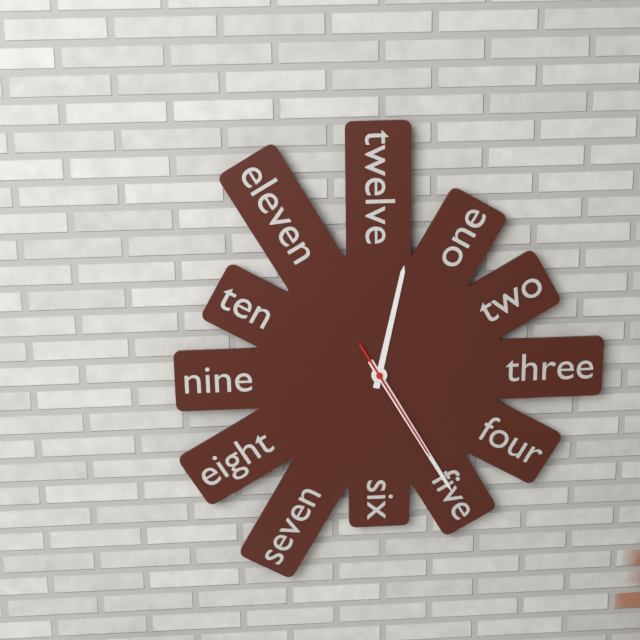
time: **12:25:25**
